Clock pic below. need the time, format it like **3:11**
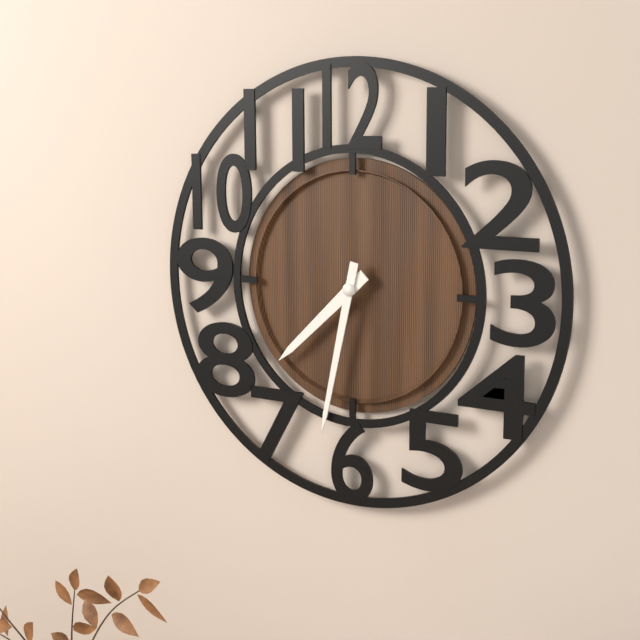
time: **7:32**
